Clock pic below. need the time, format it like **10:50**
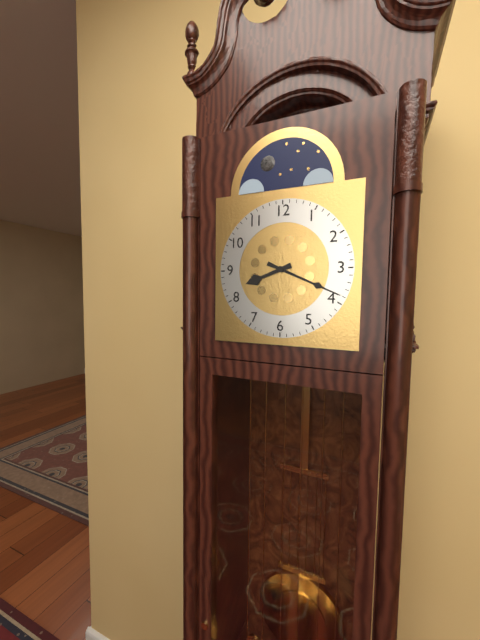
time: **8:19**
